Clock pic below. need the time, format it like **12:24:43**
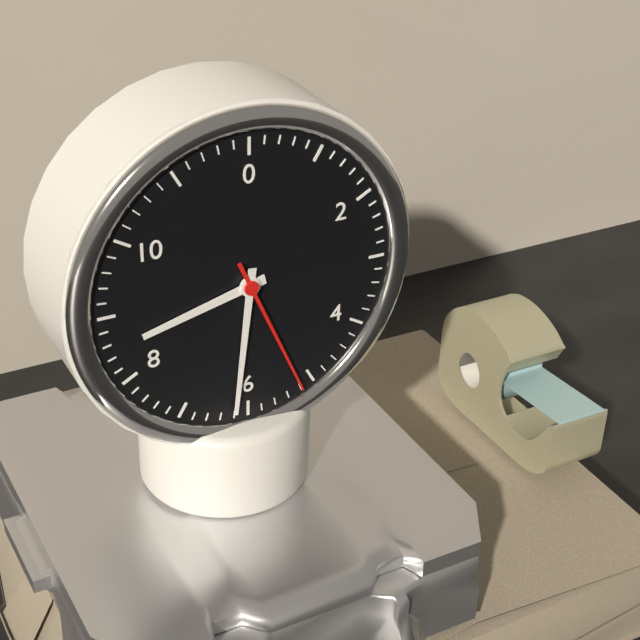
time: **8:31:26**
